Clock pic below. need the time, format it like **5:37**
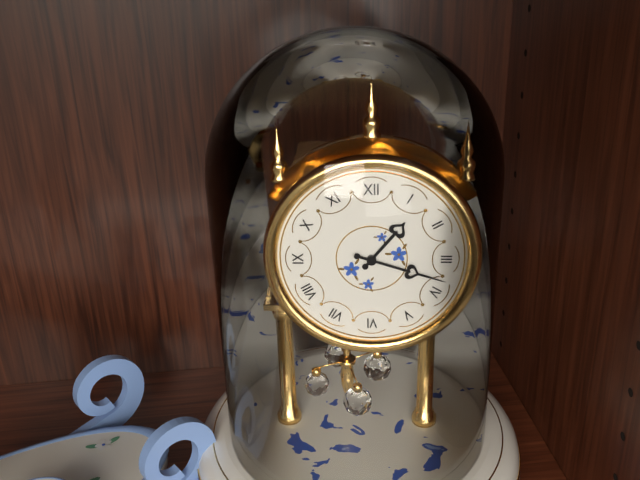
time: **1:18**
